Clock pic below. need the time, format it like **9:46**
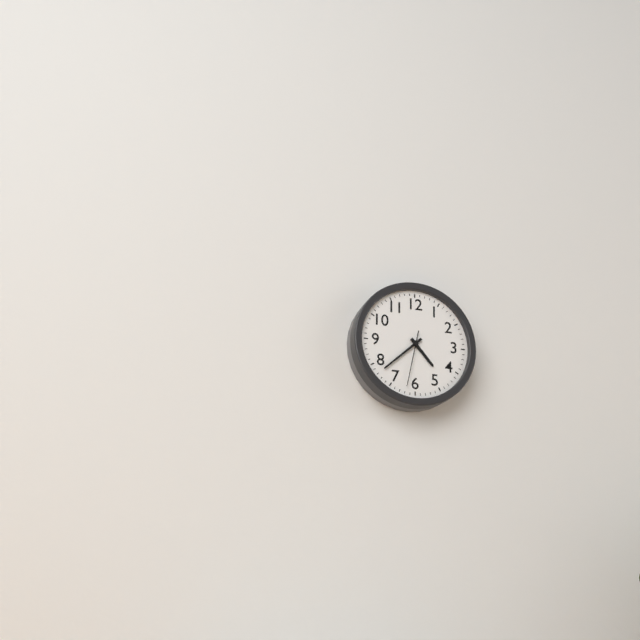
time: **4:38**
